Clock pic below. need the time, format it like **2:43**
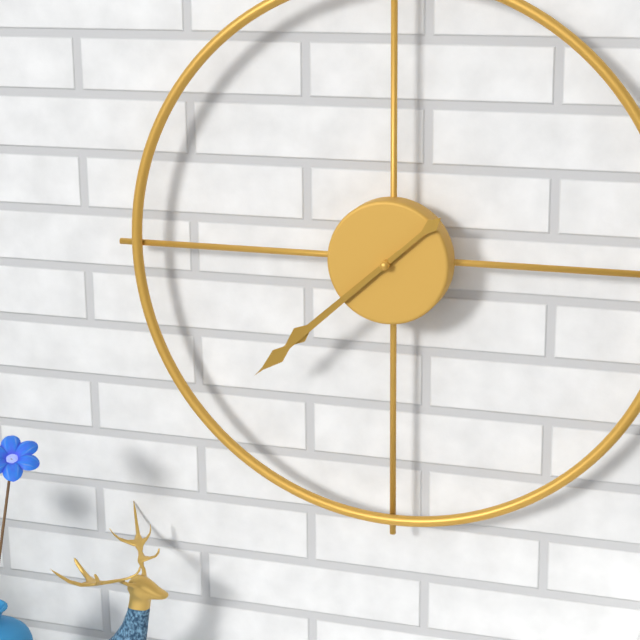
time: **7:38**
